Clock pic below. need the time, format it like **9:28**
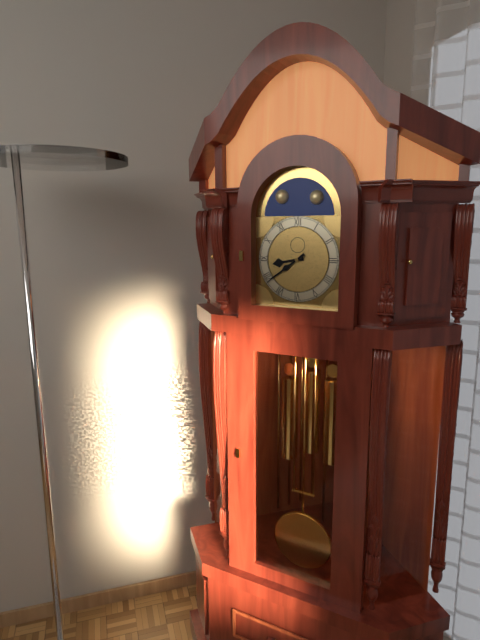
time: **8:39**
